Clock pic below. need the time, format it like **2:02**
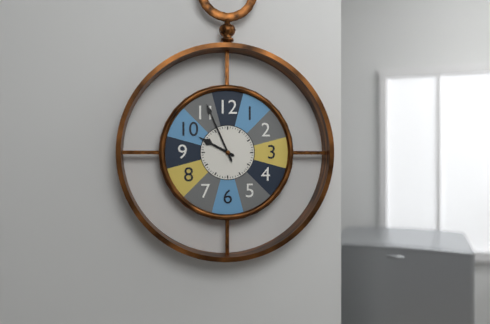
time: **9:56**
